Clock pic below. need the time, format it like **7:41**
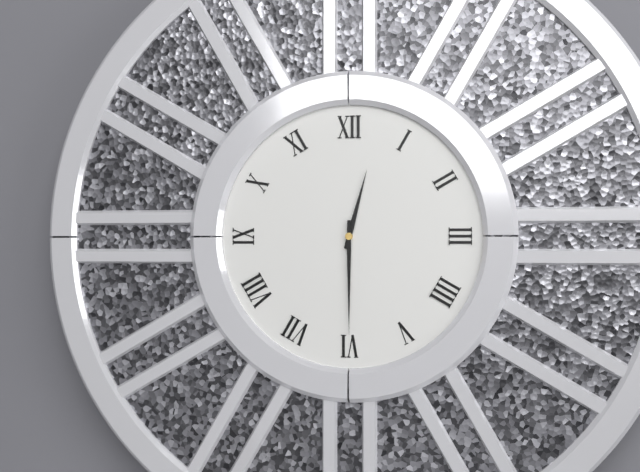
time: **12:30**
